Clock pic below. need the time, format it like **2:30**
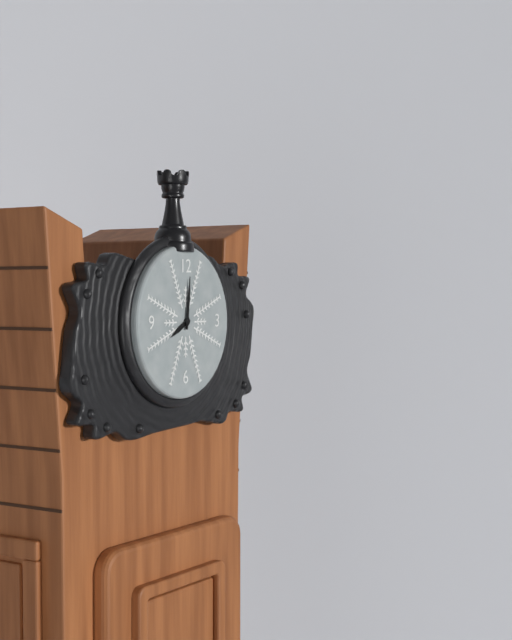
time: **8:01**
